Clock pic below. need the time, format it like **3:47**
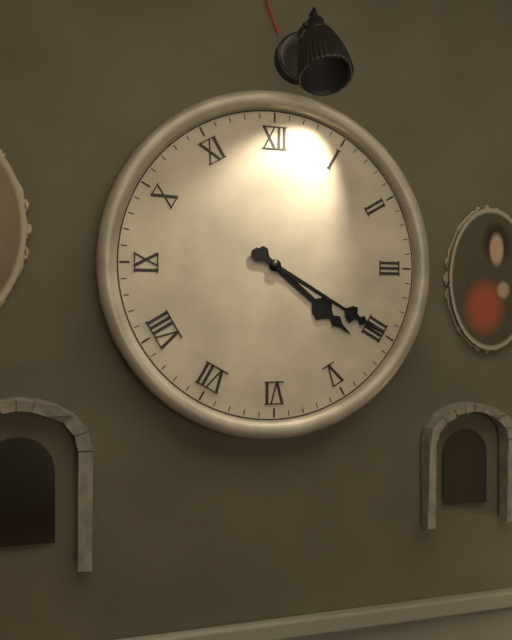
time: **4:20**
